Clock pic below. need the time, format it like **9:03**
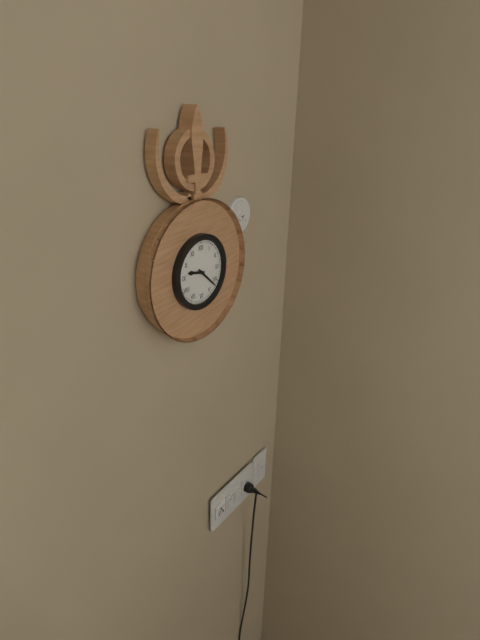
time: **9:22**
